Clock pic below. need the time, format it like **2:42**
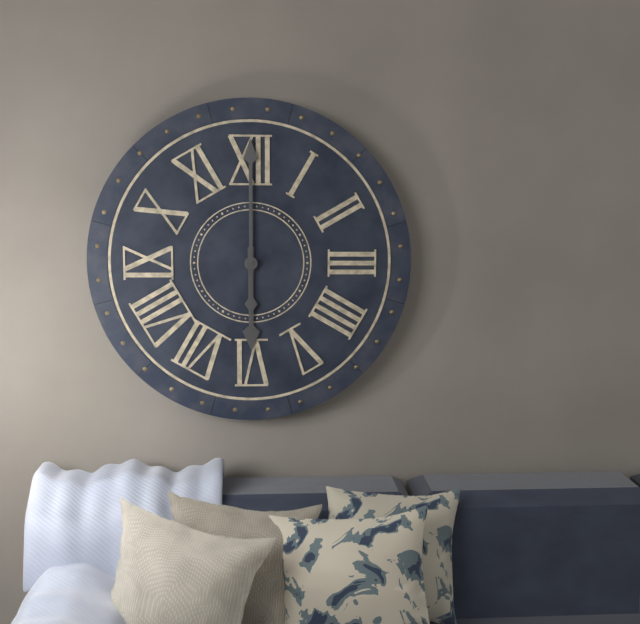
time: **6:00**
